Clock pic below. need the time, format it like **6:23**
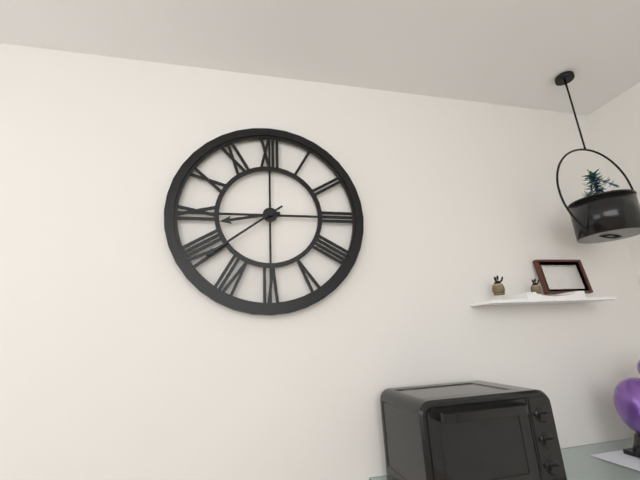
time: **8:39**
